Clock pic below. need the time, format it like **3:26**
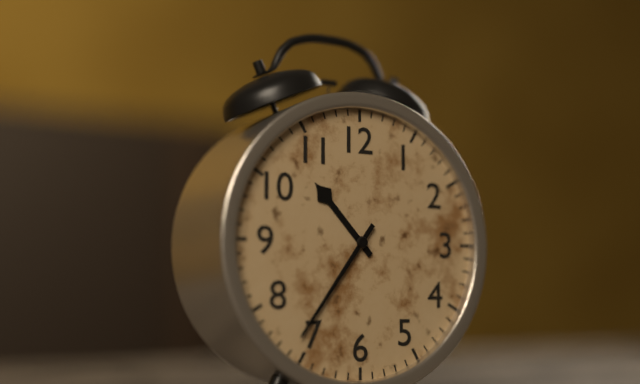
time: **10:36**
